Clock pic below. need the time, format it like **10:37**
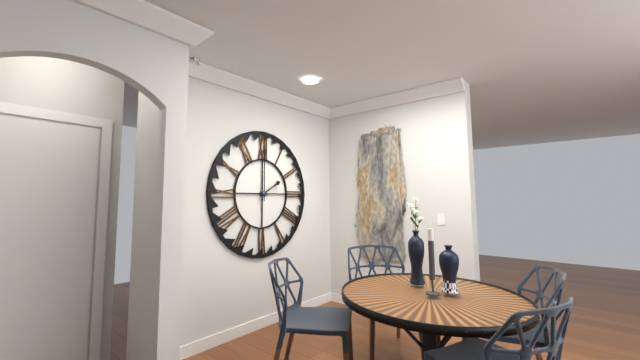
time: **2:00**
